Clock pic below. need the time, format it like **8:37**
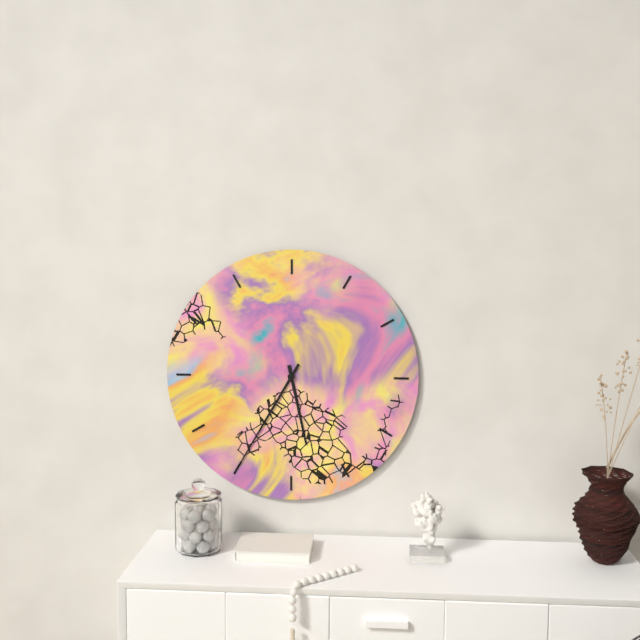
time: **5:35**
